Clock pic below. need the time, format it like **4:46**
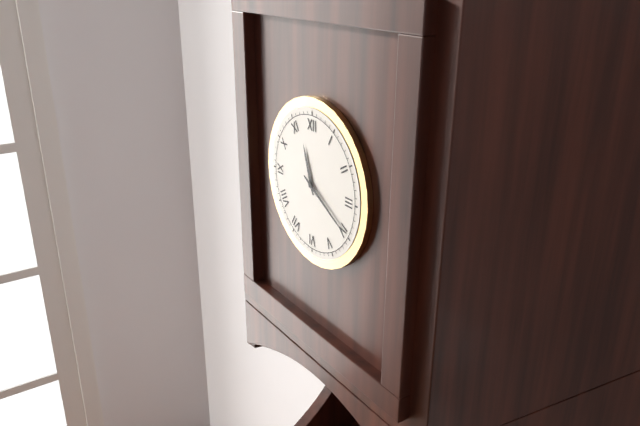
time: **11:20**
